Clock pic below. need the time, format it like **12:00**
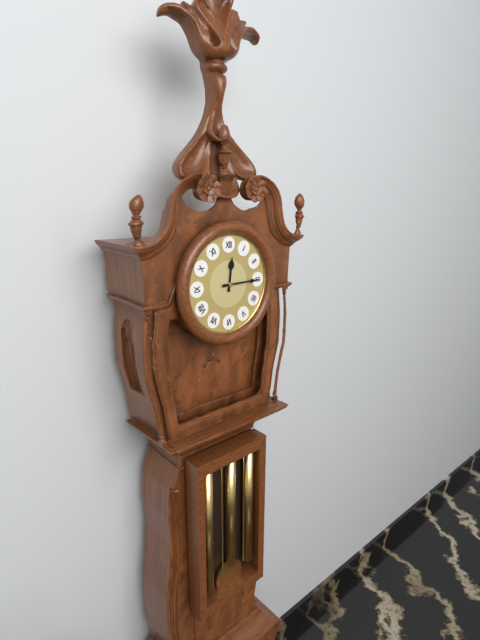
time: **12:15**
